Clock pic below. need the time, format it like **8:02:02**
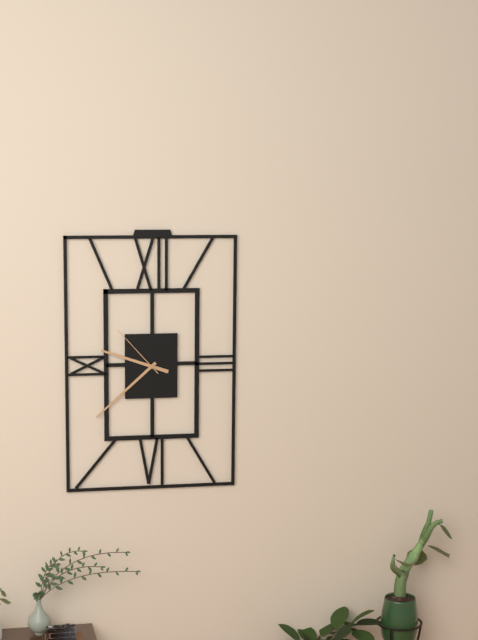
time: **9:38:53**
